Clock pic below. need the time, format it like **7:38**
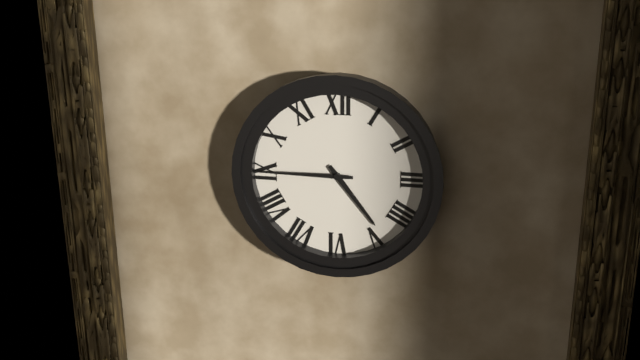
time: **4:45**
